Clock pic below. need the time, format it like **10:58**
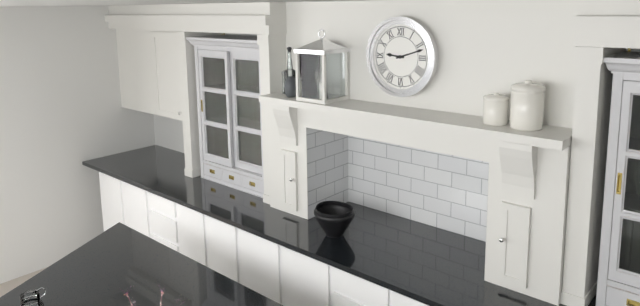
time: **9:12**
